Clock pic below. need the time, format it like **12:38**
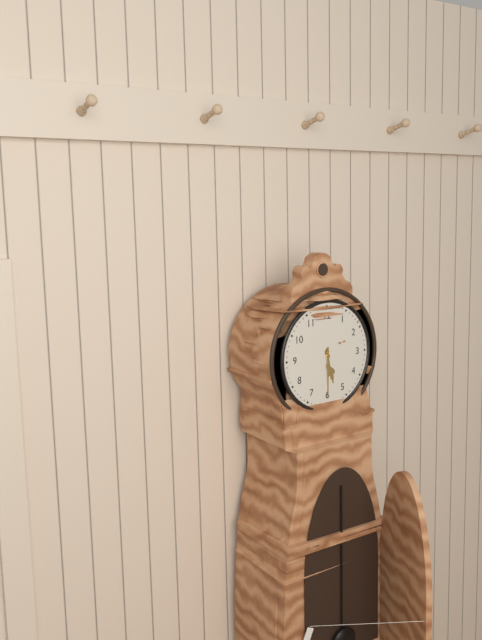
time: **5:30**
